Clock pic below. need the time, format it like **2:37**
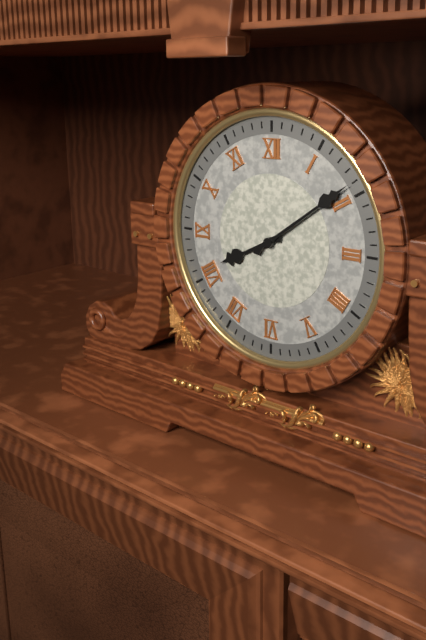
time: **8:09**
